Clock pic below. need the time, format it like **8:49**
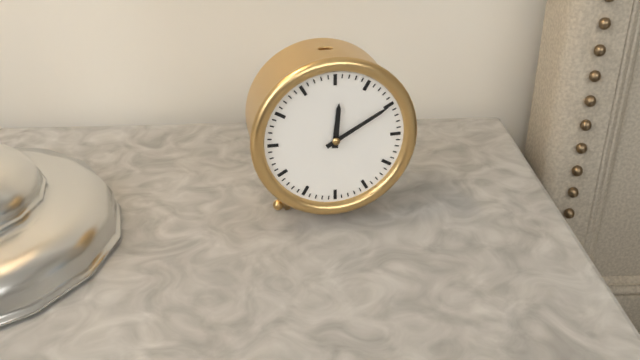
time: **12:10**
